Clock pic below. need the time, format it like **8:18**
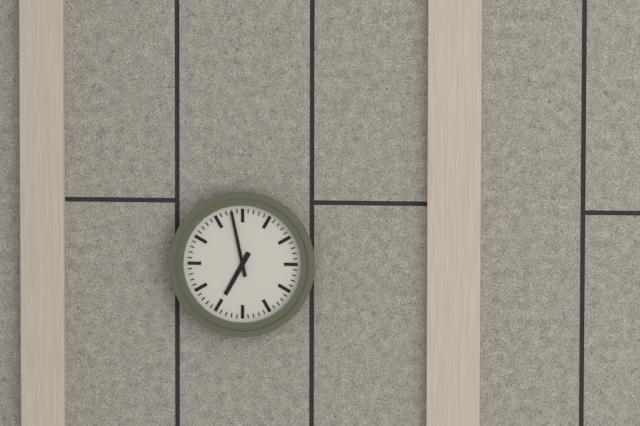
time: **6:58**
